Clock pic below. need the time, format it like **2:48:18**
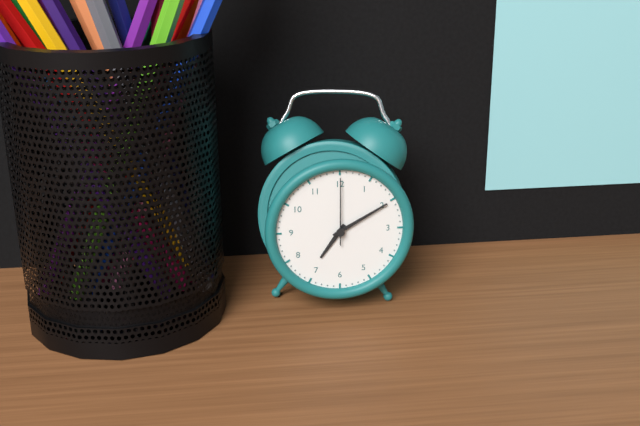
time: **7:10:00**
